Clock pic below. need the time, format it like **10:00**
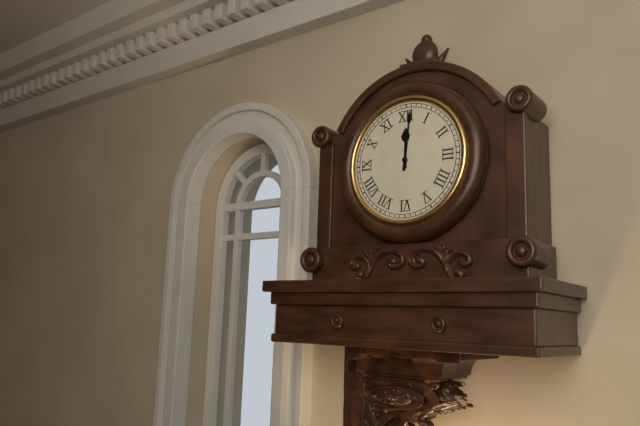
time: **12:01**
